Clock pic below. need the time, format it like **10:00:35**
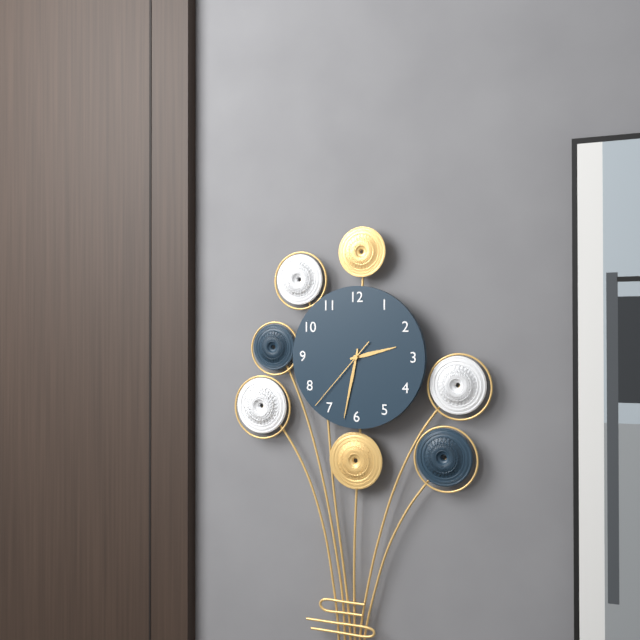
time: **2:32:37**
